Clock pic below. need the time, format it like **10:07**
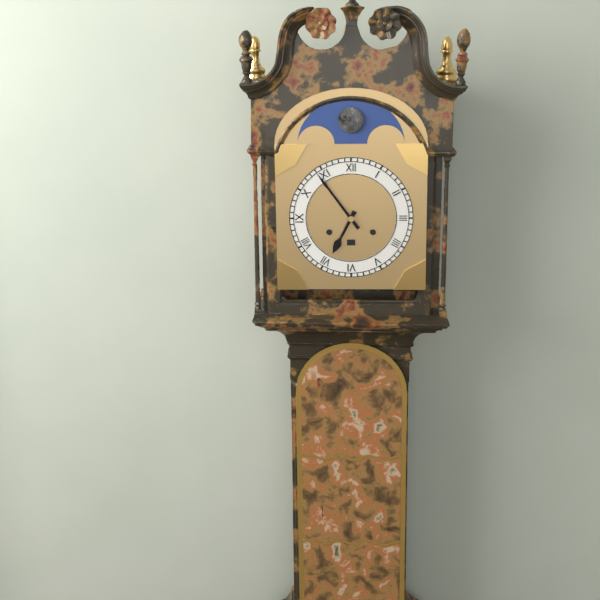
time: **6:54**
